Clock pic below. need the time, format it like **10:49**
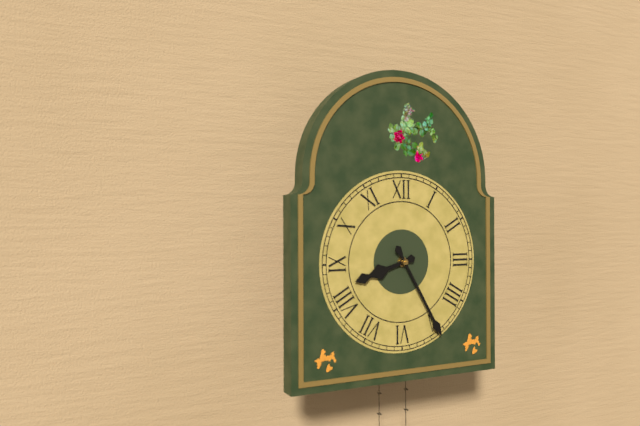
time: **8:25**
